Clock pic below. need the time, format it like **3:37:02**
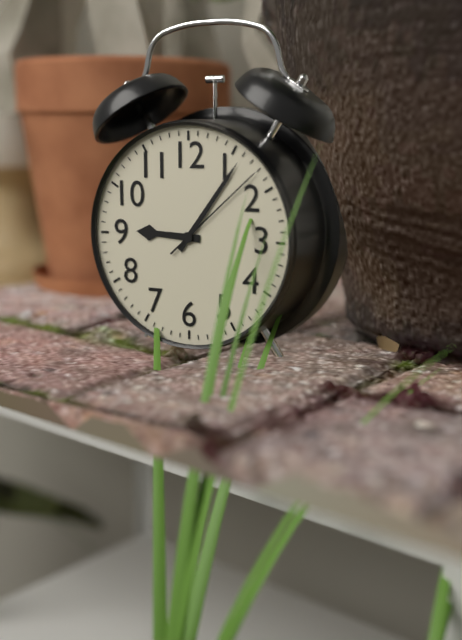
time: **9:06:08**
